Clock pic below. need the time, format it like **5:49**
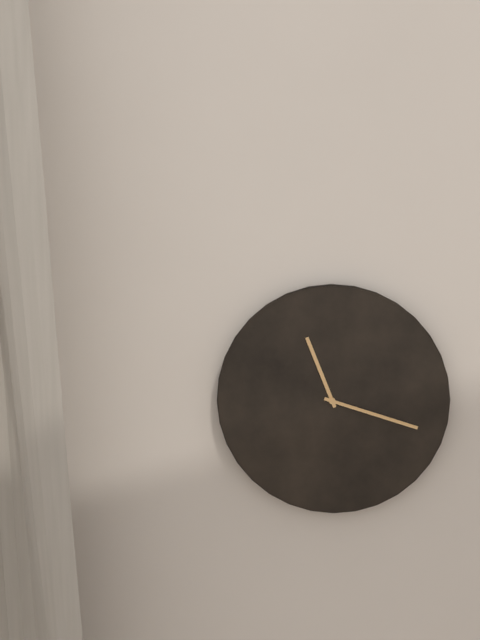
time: **11:18**
